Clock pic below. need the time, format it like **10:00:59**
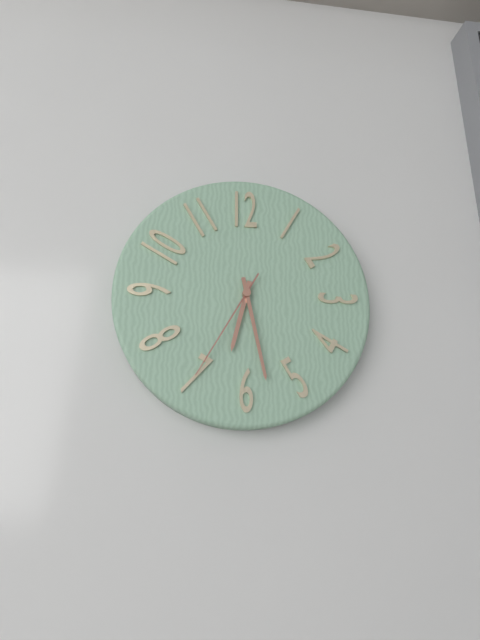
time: **6:28:35**
